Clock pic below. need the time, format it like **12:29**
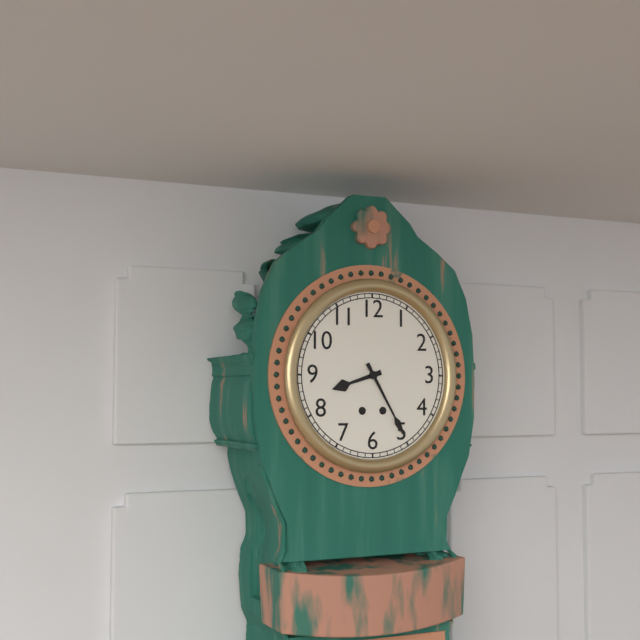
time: **8:25**
